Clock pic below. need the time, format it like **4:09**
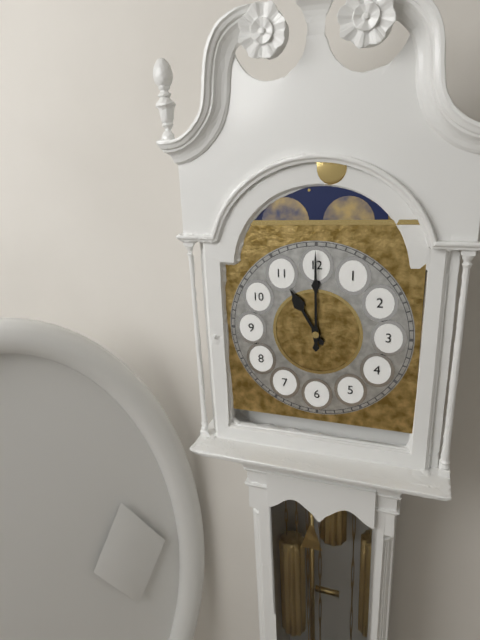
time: **11:00**
